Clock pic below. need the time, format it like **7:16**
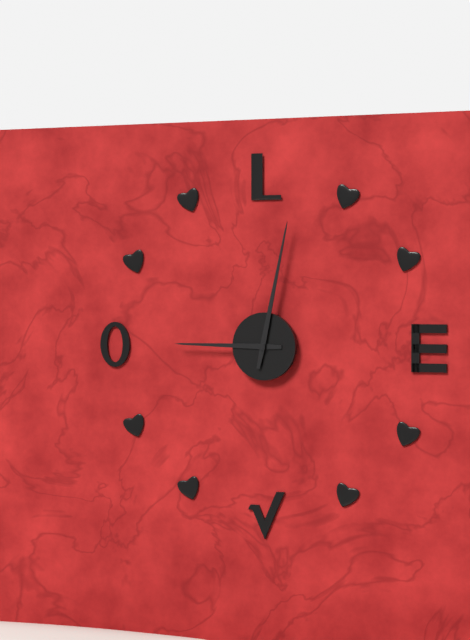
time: **9:02**
